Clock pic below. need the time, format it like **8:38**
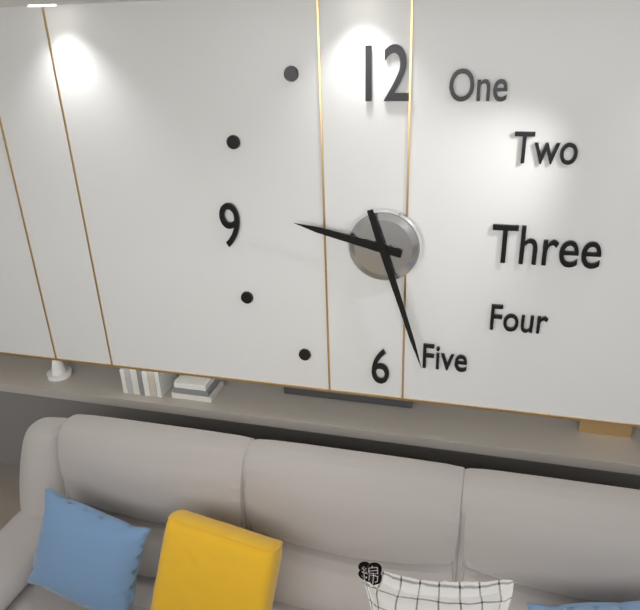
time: **9:27**
